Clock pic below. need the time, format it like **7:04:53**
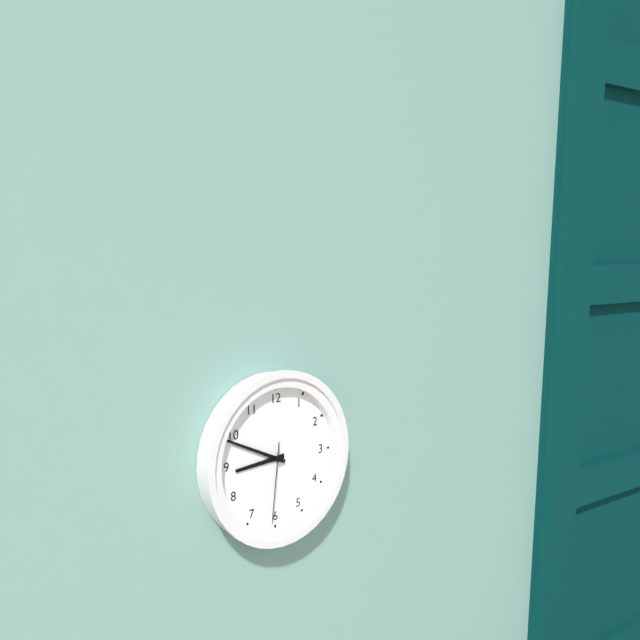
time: **8:49:31**
